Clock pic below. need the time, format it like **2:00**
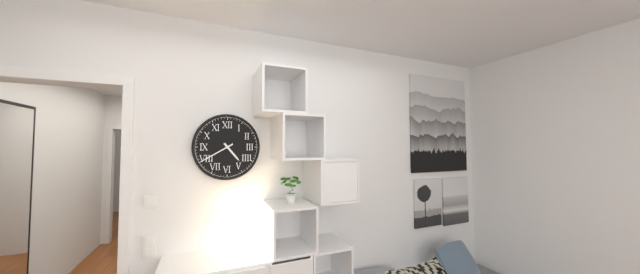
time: **4:40**
